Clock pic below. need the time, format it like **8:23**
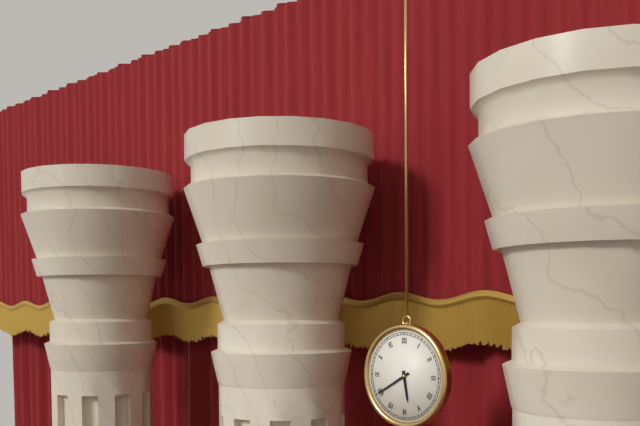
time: **5:40**
